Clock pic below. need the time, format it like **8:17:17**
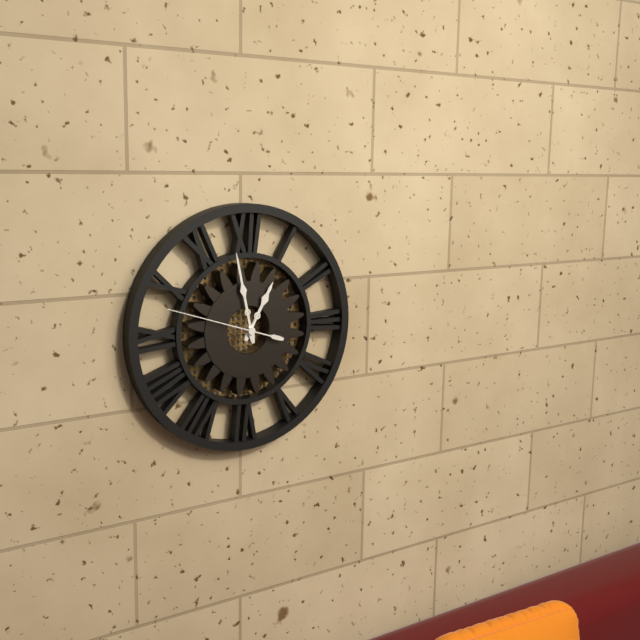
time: **12:58:48**
